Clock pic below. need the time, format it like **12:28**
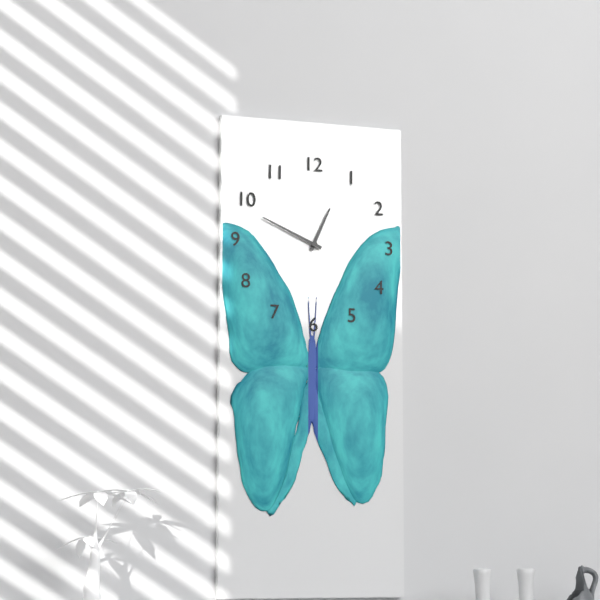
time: **12:49**
